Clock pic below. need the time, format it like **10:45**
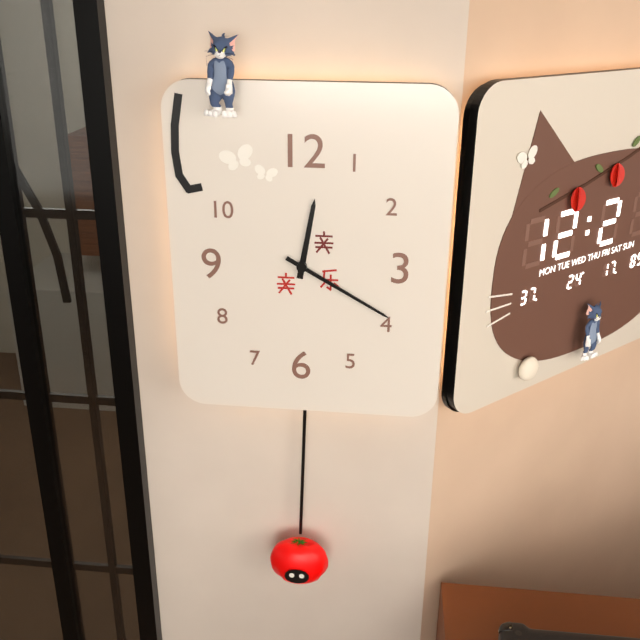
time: **12:20**
